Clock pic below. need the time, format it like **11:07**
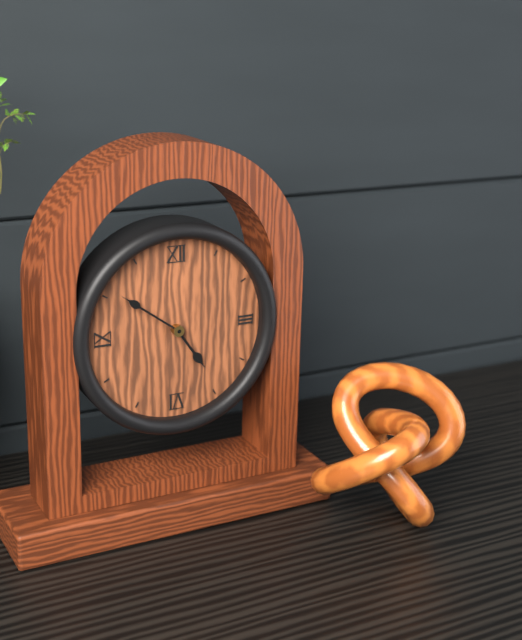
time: **4:51**
